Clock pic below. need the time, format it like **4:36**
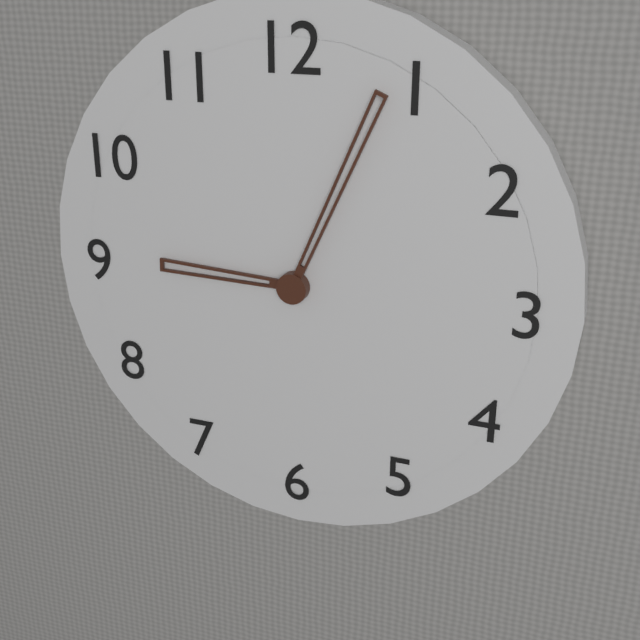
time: **9:04**
